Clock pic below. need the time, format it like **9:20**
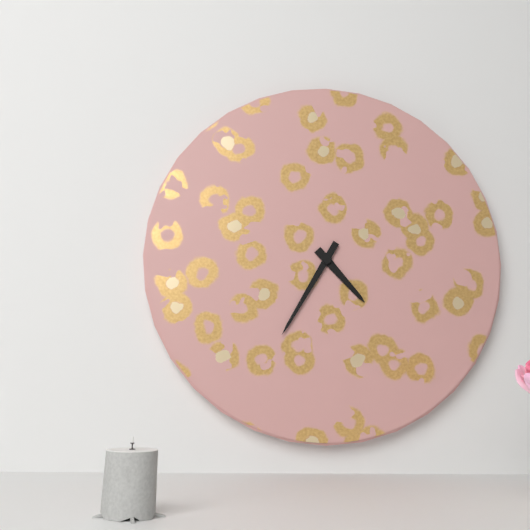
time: **4:35**
